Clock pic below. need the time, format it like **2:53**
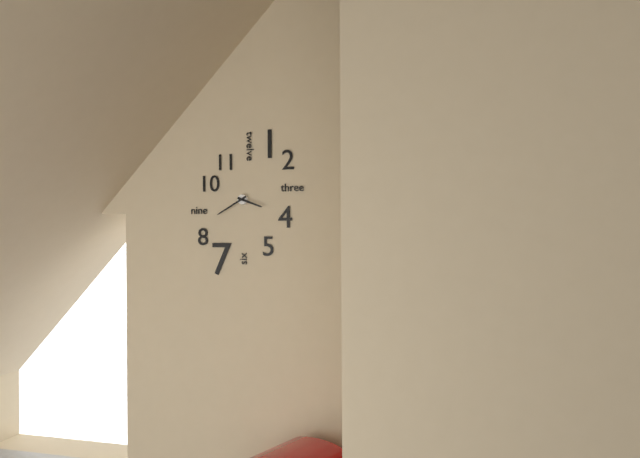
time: **3:40**
